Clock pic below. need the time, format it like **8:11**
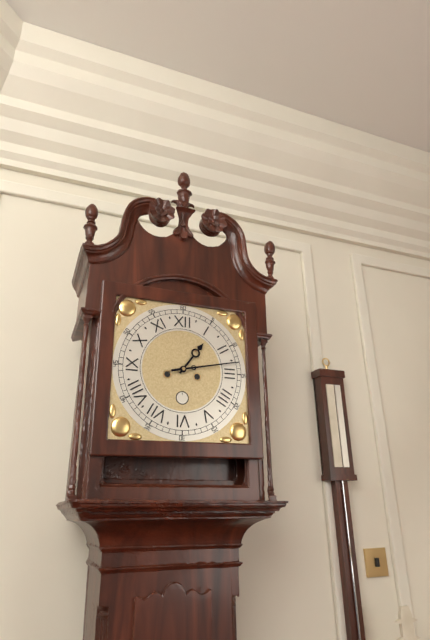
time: **1:13**
